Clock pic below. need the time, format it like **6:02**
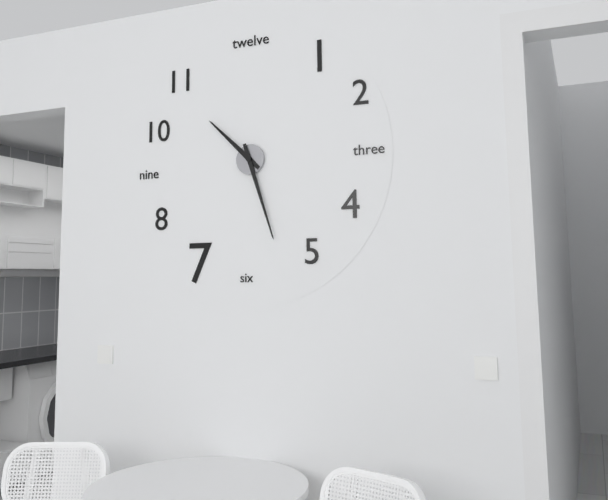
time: **10:27**
